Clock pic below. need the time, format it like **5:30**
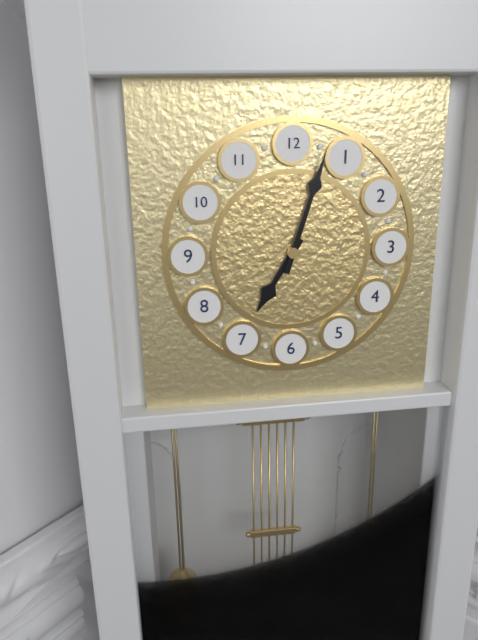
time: **7:03**
